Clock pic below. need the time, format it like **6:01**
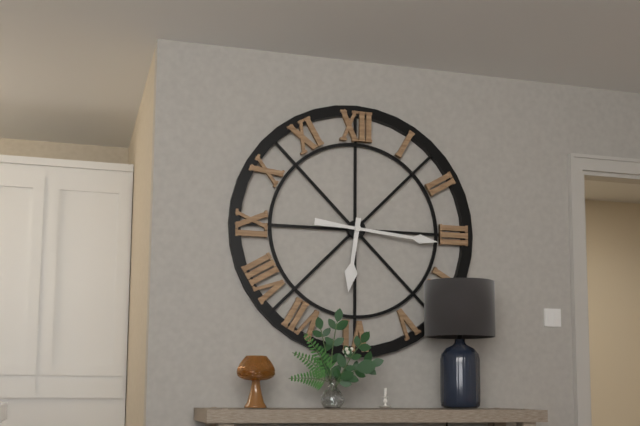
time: **6:16**
